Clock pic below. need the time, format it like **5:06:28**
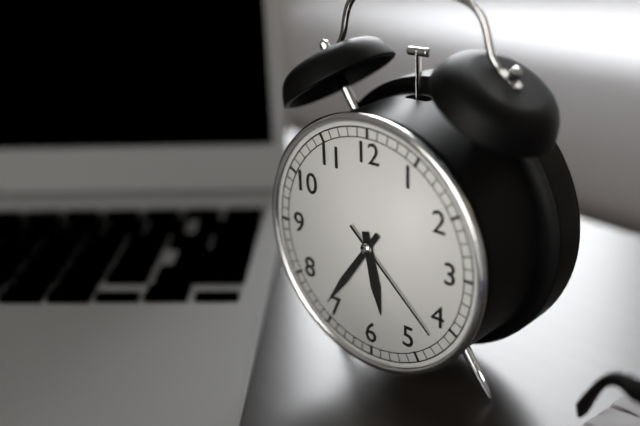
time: **5:36:22**
